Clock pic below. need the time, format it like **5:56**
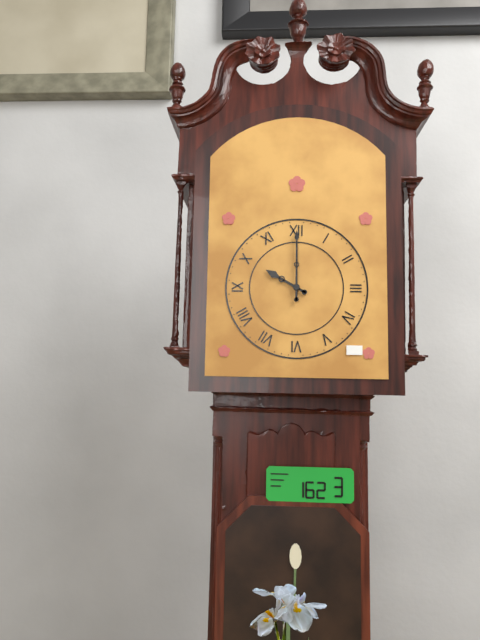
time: **10:00**
